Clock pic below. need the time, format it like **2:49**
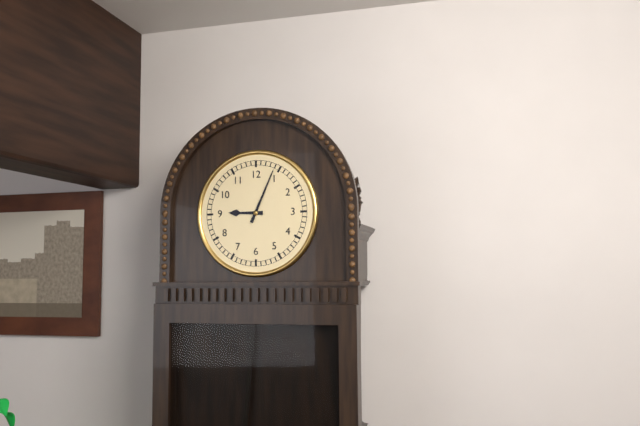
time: **9:04**
